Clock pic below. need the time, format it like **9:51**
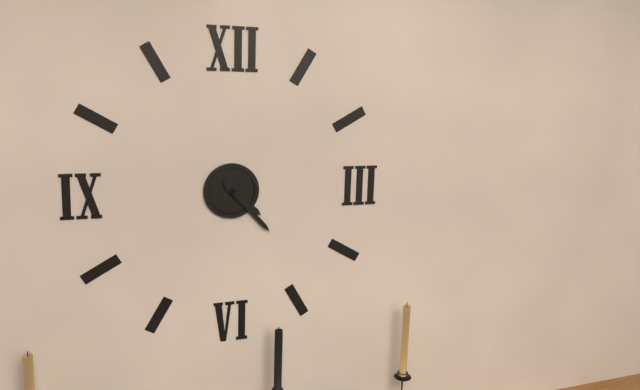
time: **4:23**
